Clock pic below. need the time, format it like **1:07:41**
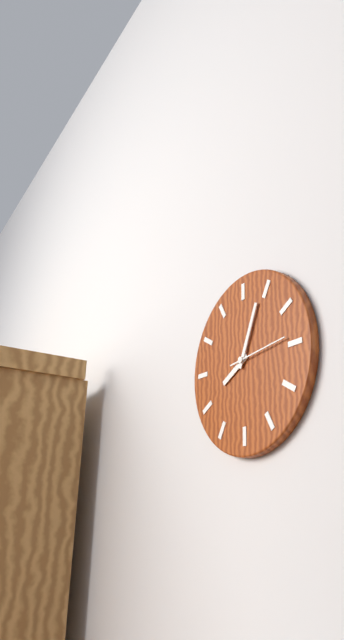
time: **8:04:14**
